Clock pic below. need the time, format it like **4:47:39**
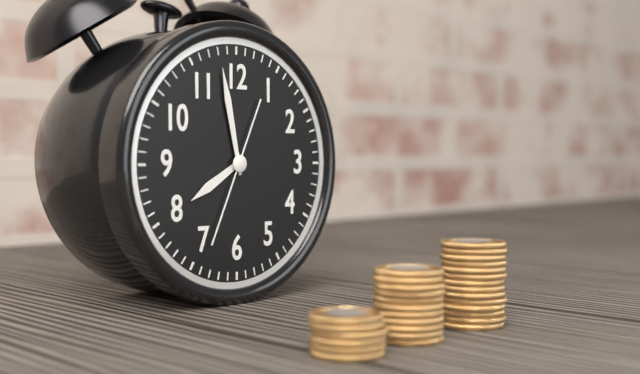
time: **7:58:34**
